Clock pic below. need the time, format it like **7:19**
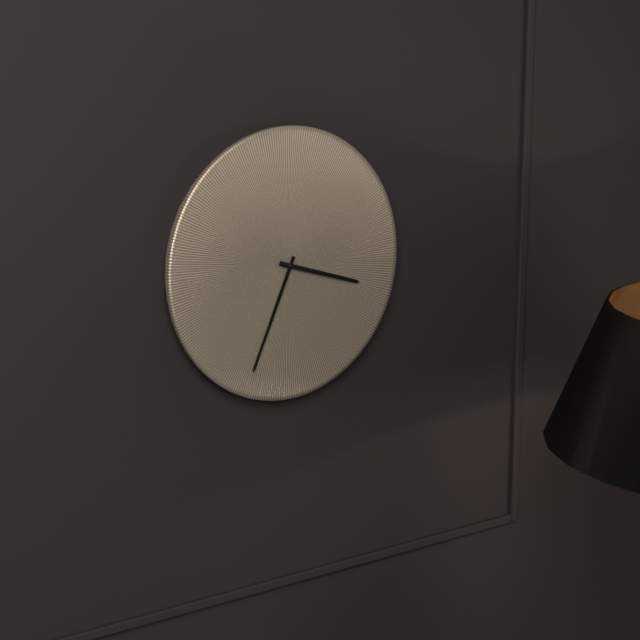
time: **3:34**
